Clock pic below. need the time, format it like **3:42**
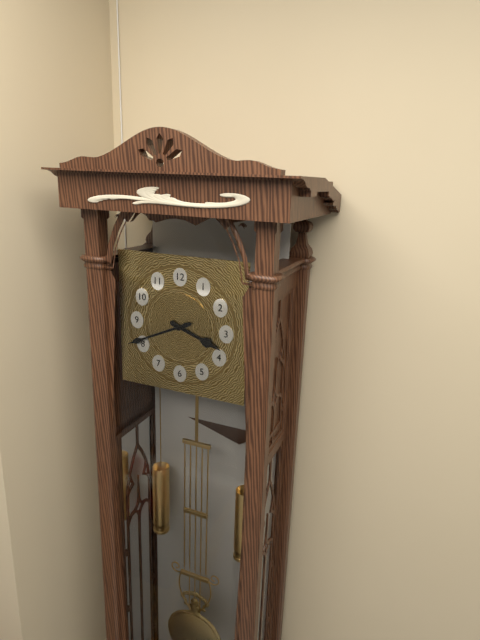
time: **3:41**
